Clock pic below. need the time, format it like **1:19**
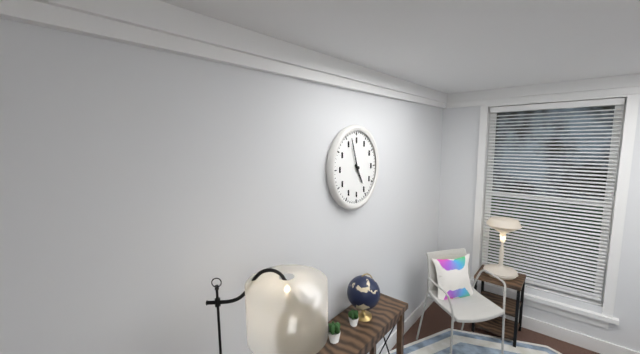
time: **4:57**
